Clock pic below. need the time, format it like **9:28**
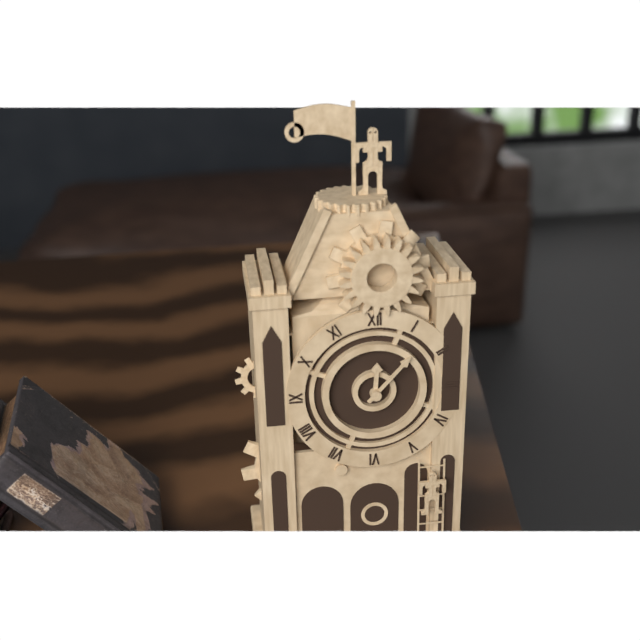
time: **12:07**
